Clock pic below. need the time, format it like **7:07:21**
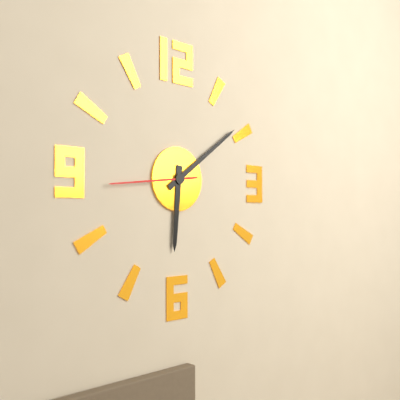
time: **6:09:44**
